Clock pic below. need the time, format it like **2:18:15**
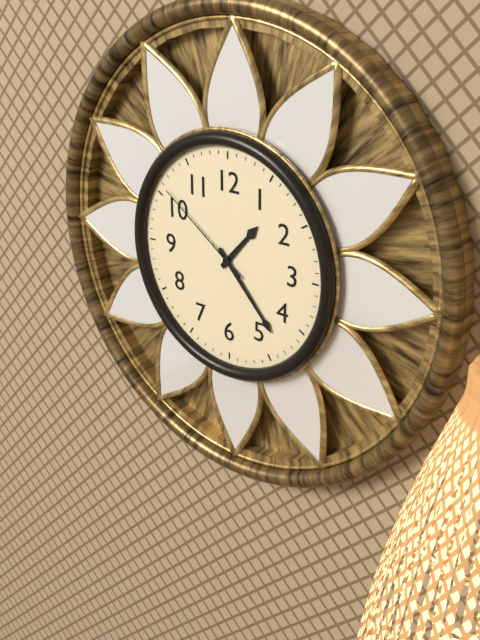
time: **1:23:51**
